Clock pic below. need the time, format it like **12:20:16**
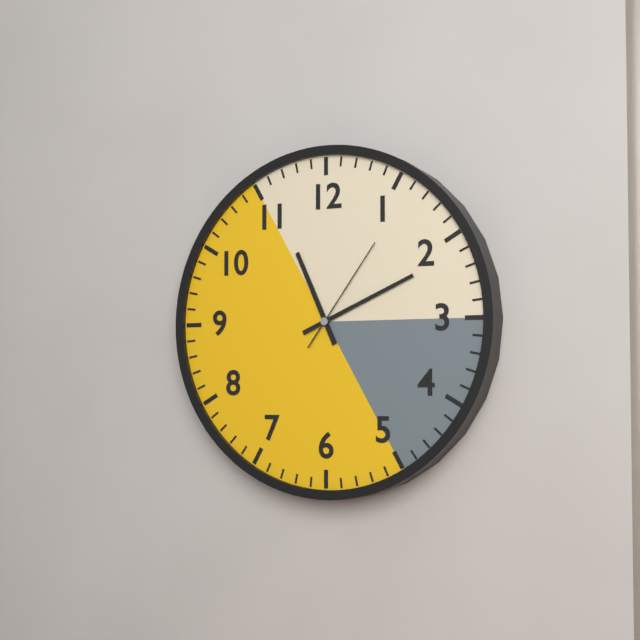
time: **11:11:06**
